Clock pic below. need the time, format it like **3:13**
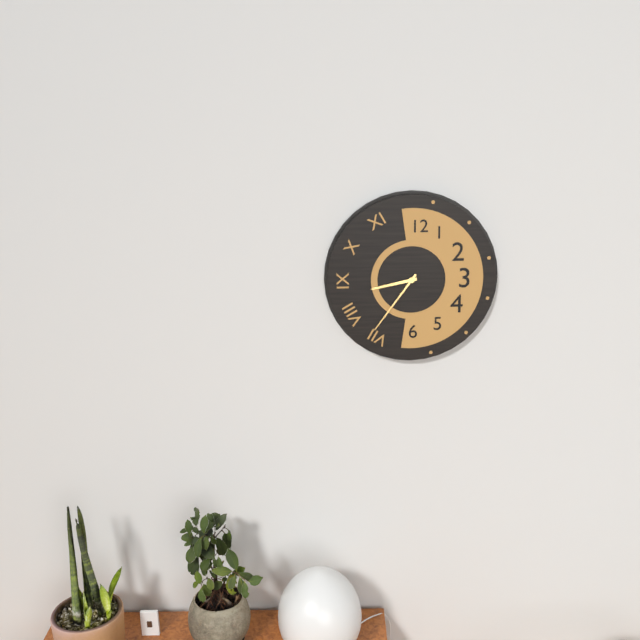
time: **8:36**
